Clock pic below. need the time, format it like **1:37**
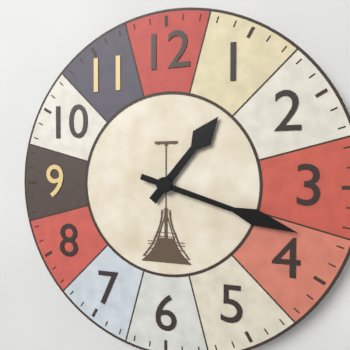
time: **1:18**
